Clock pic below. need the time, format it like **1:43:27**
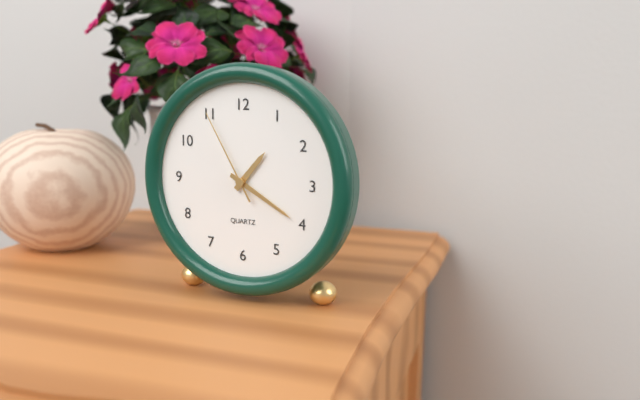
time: **1:20:55**
